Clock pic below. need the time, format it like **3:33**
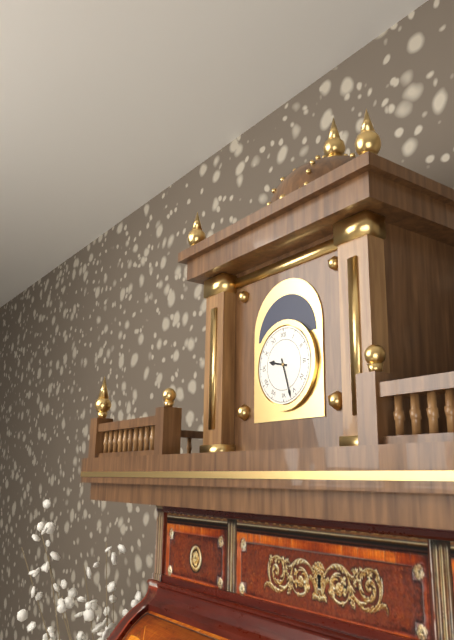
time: **9:27**
